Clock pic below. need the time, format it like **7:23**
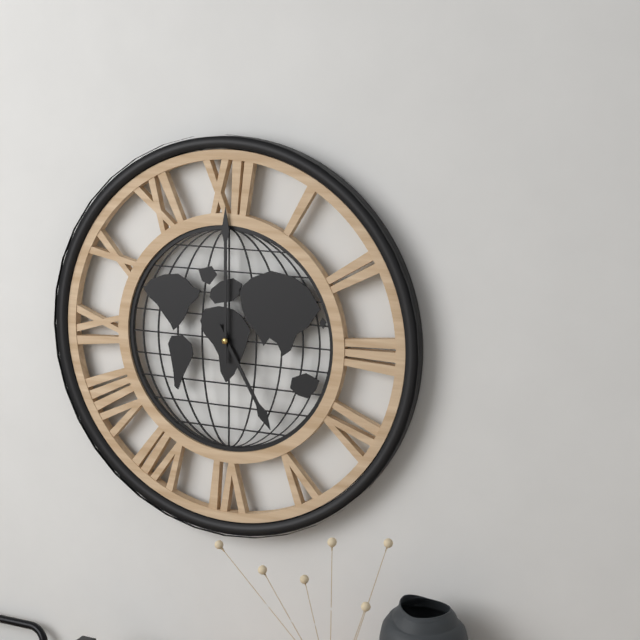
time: **5:00**
